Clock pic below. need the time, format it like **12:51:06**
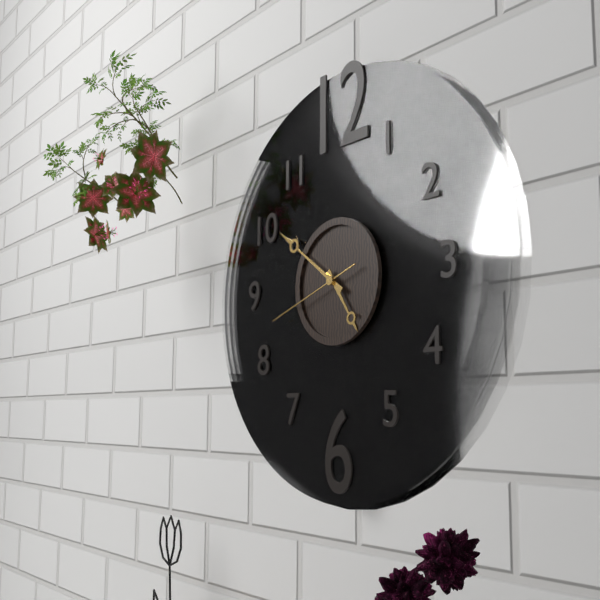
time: **4:51:42**
